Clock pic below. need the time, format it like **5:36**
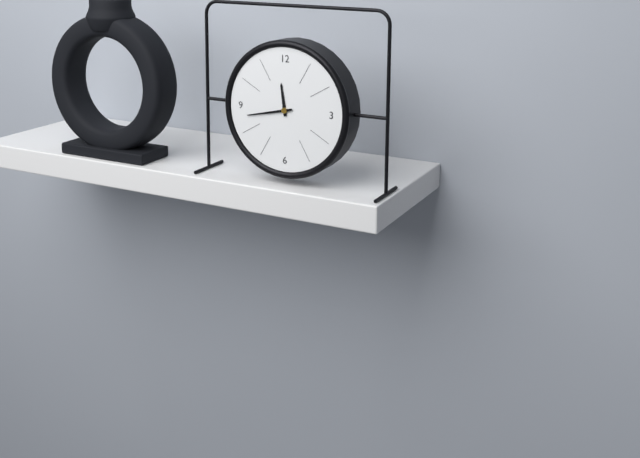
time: **11:43**
